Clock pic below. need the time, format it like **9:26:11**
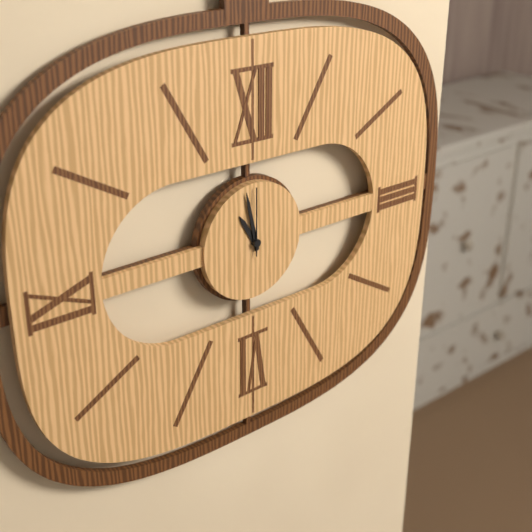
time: **10:58:00**
